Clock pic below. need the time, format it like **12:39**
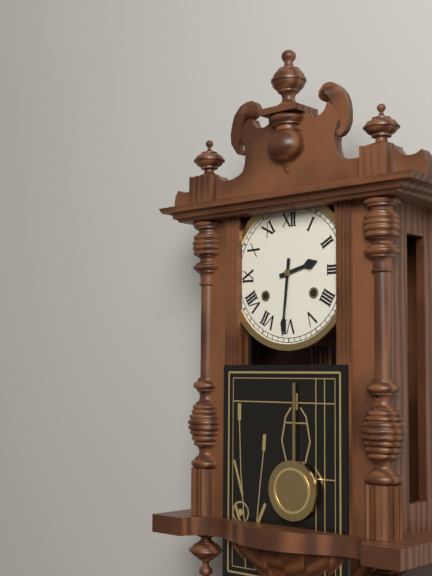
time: **2:31**
